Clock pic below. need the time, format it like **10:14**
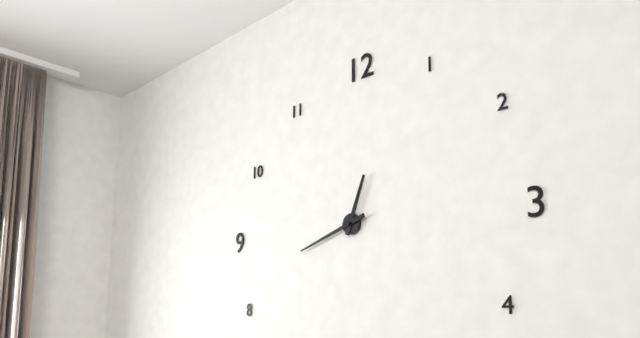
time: **12:42**
